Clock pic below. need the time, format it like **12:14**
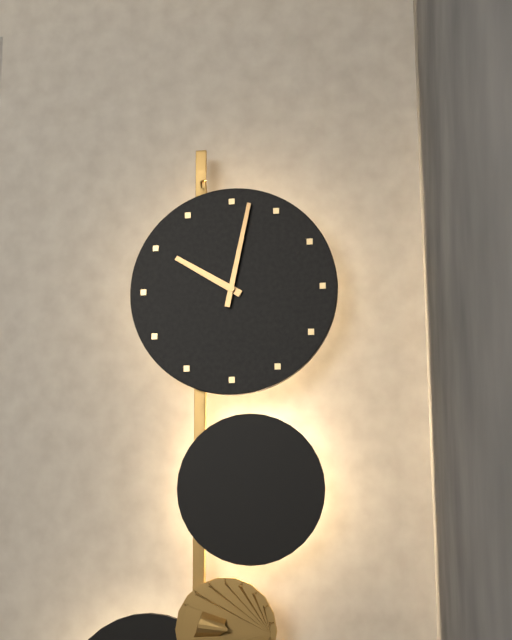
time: **10:02**
